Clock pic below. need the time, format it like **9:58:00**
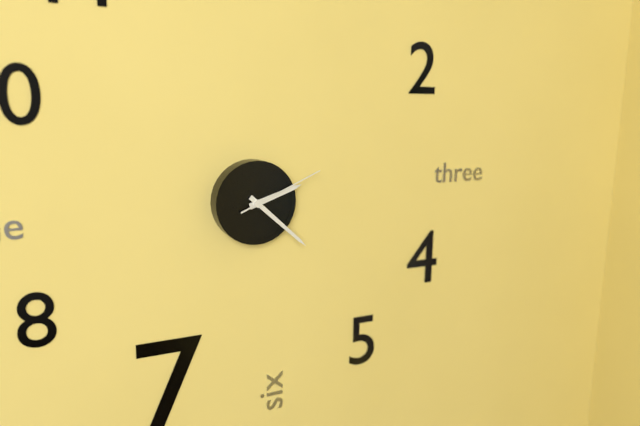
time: **2:22:11**
